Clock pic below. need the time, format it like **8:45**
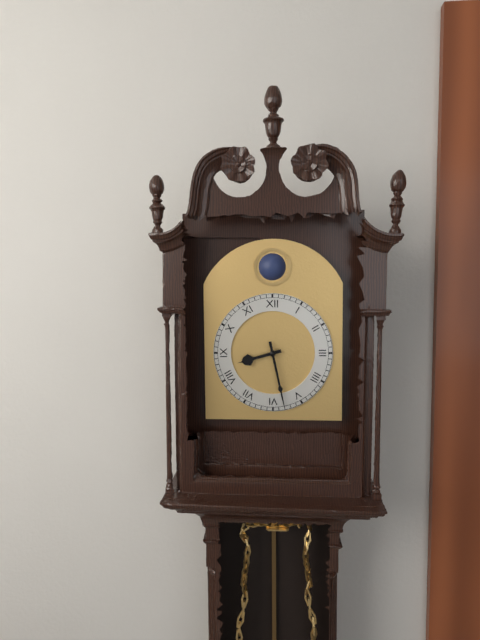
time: **8:28**
